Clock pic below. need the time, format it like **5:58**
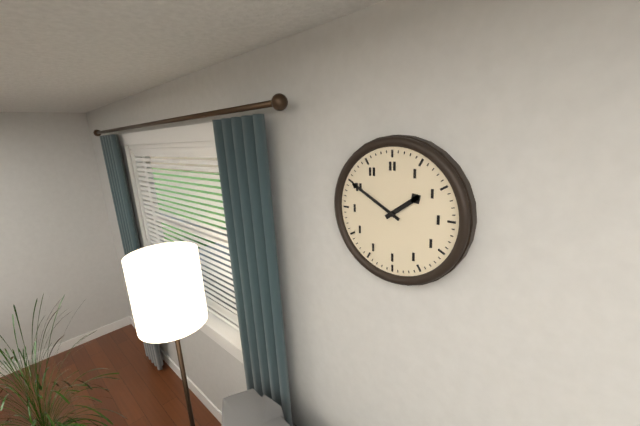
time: **1:50**
